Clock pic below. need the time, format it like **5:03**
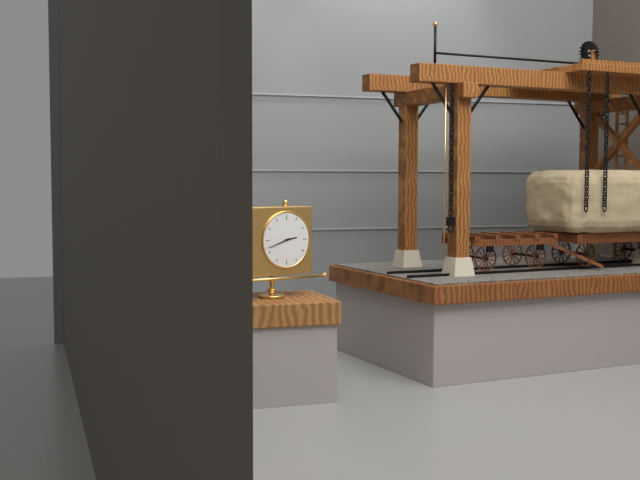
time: **2:42**
